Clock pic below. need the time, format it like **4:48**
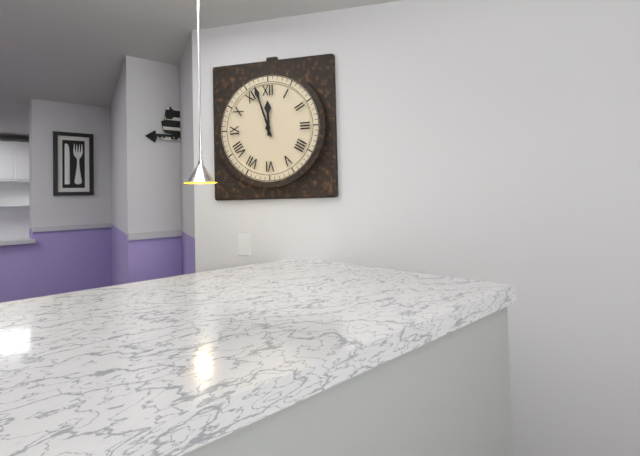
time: **11:57**
